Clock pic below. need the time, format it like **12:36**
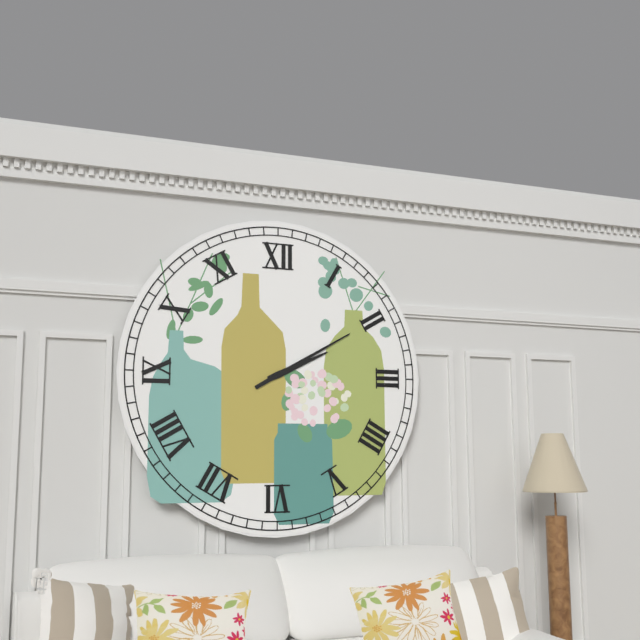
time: **2:10**
